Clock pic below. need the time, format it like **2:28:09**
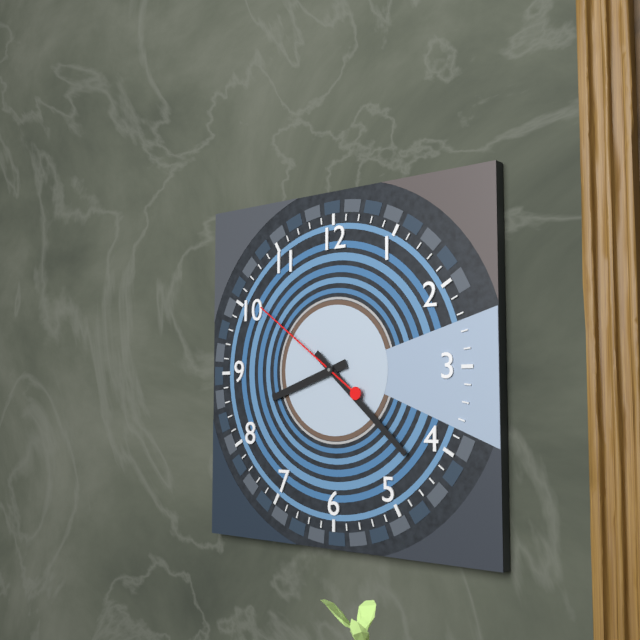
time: **8:22:51**
